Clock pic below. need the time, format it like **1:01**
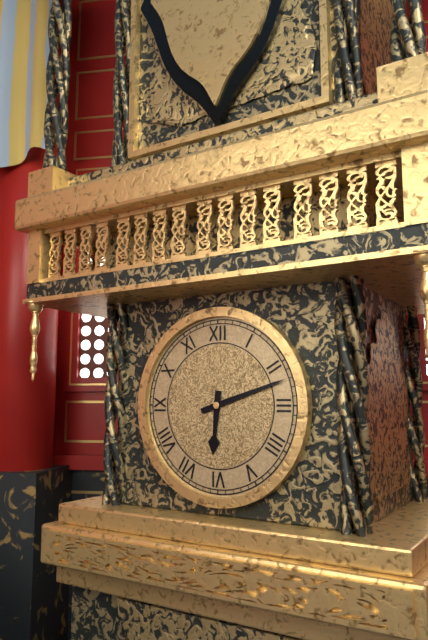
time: **6:12**
